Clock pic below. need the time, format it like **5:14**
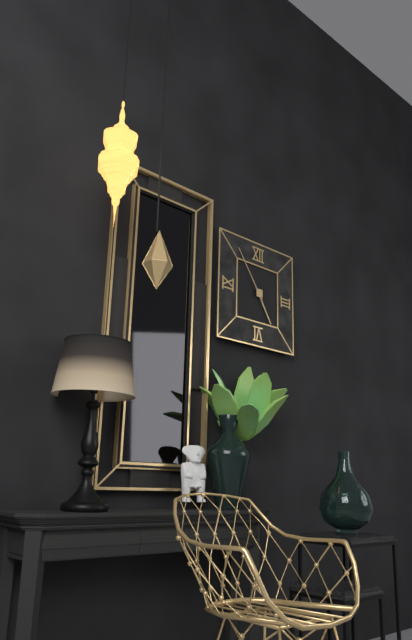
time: **4:54**
